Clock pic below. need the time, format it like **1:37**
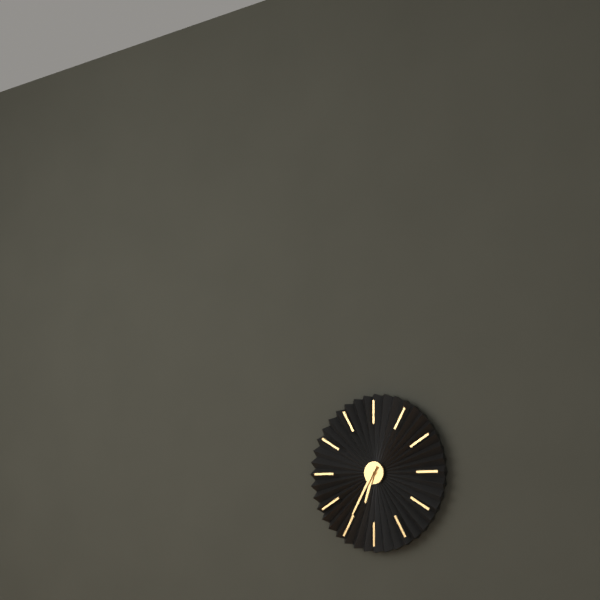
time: **6:35**
